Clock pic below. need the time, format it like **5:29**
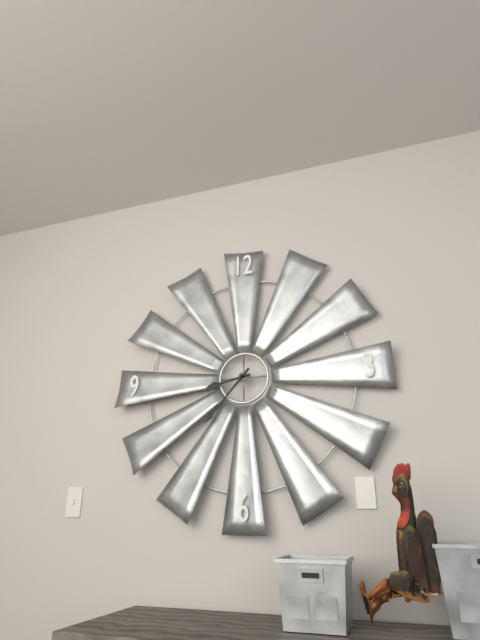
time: **8:37**
